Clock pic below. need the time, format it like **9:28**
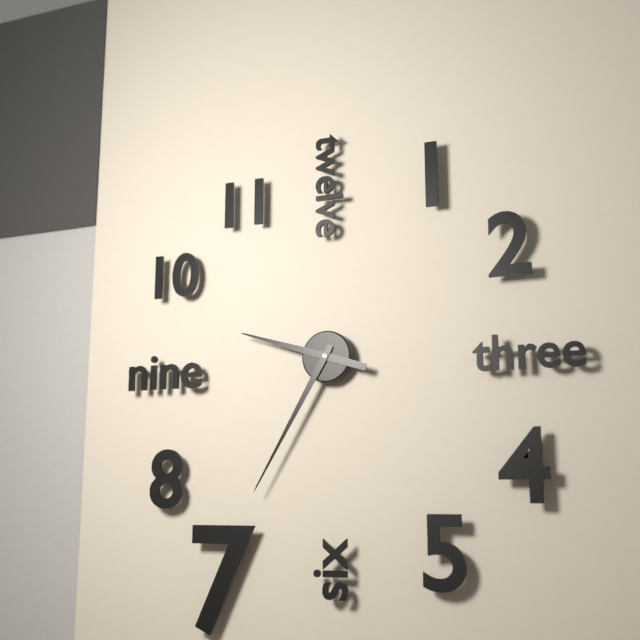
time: **9:35**
